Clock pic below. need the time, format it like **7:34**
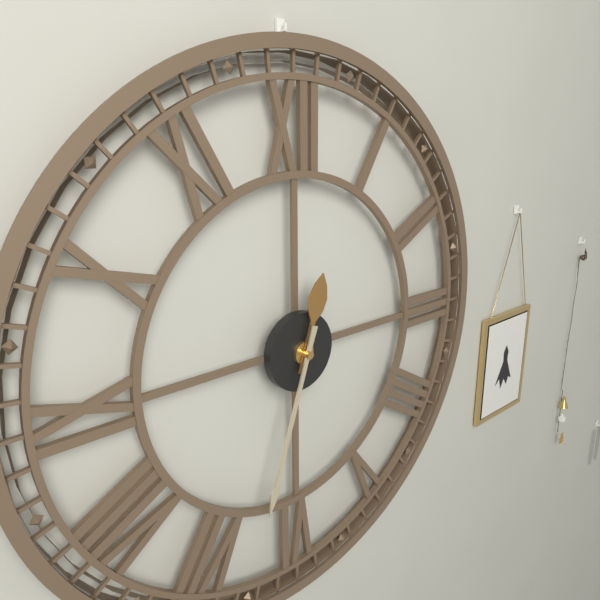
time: **12:33**
